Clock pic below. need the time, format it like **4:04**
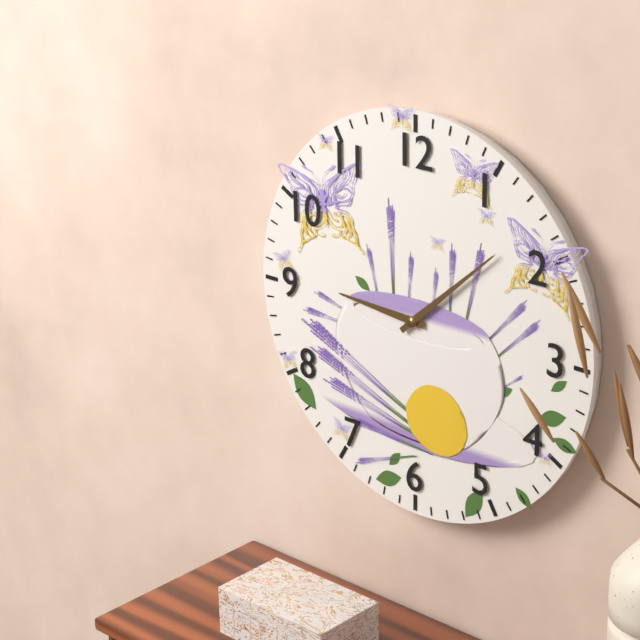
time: **9:08**
